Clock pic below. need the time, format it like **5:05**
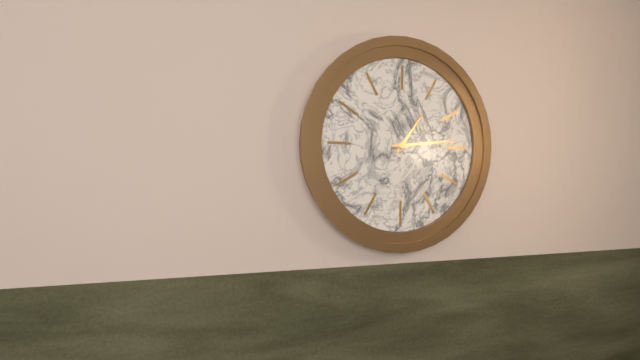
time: **1:14**
